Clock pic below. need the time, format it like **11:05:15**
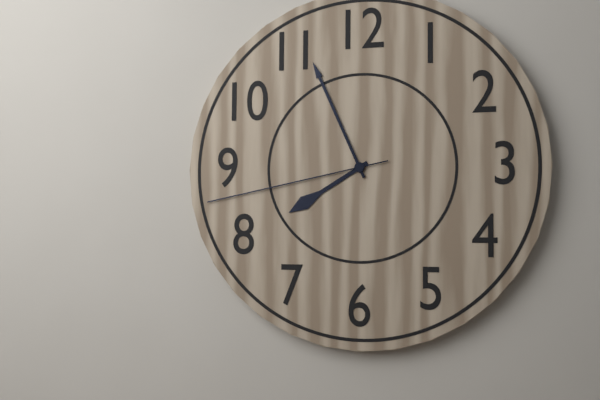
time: **7:56:43**
